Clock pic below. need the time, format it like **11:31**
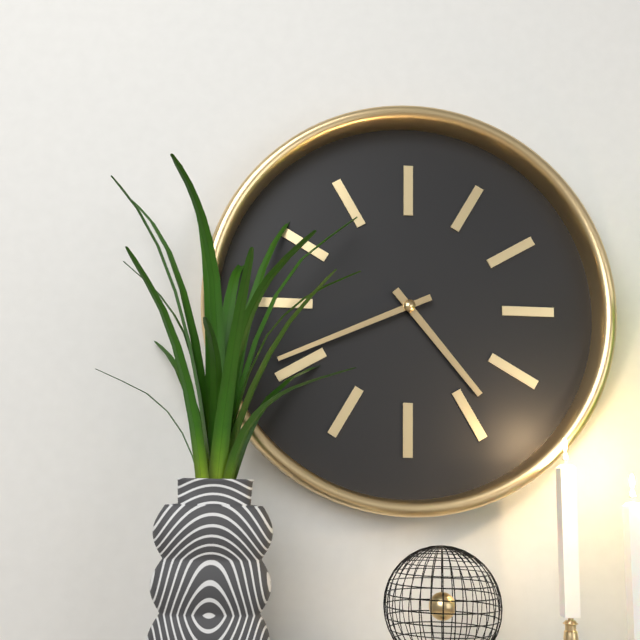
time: **4:41**
